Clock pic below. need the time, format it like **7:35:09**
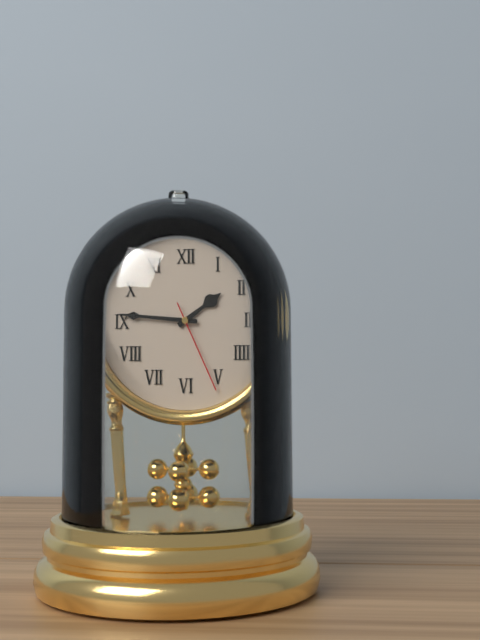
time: **1:46:26**
